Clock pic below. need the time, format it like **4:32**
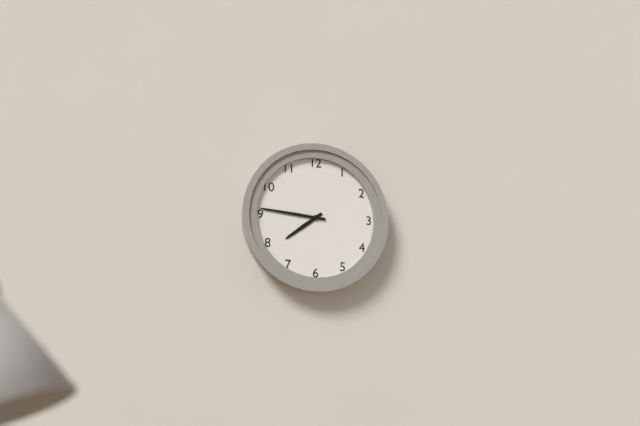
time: **7:46**
